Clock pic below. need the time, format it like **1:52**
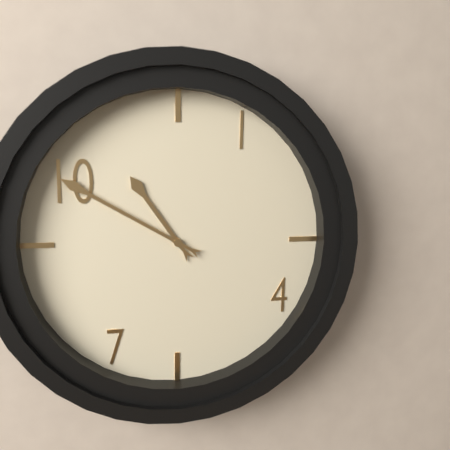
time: **10:50**
